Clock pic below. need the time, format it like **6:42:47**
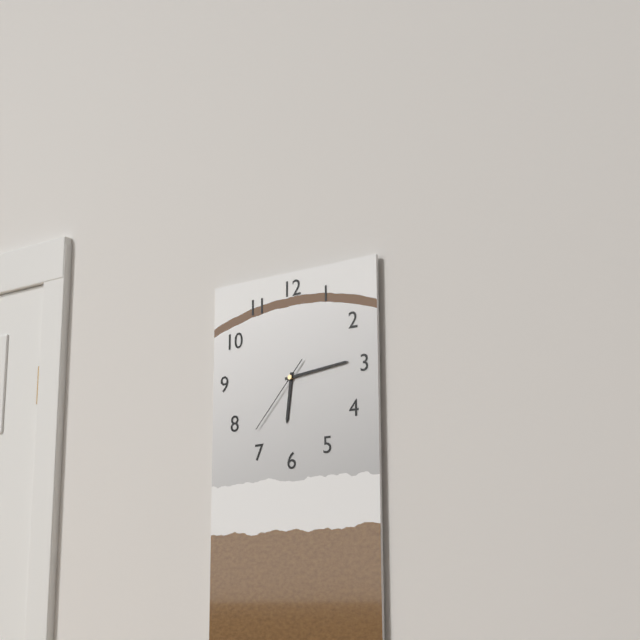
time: **6:14:37**
